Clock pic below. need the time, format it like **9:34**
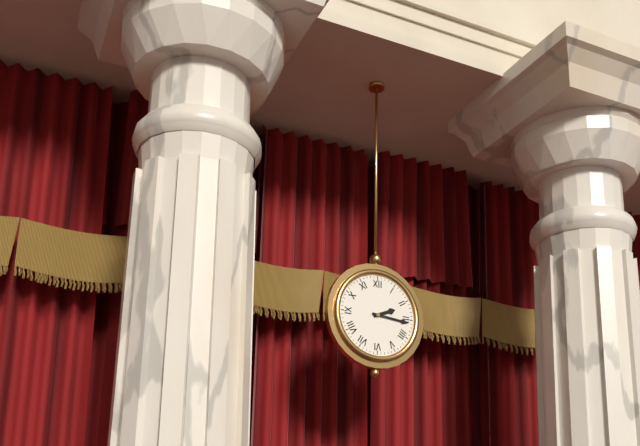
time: **2:16**
